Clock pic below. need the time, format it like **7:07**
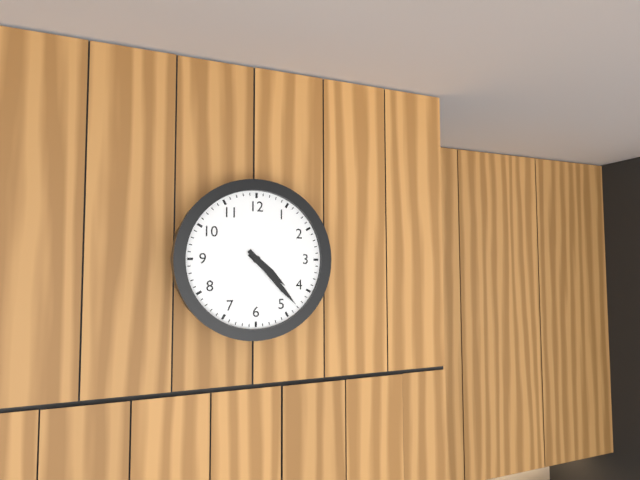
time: **4:23**
